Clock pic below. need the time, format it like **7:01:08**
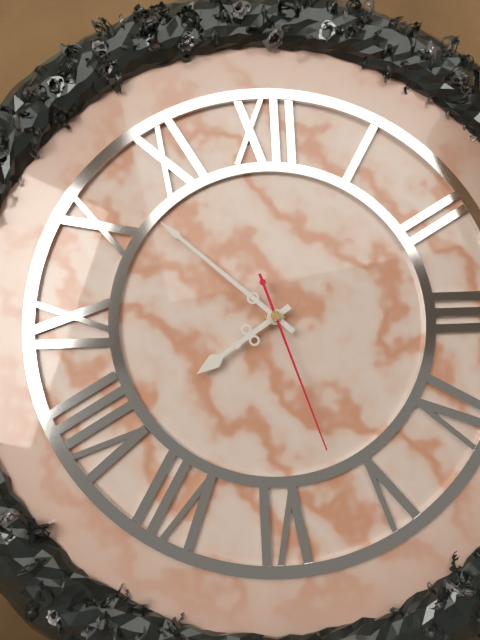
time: **7:52:27**
